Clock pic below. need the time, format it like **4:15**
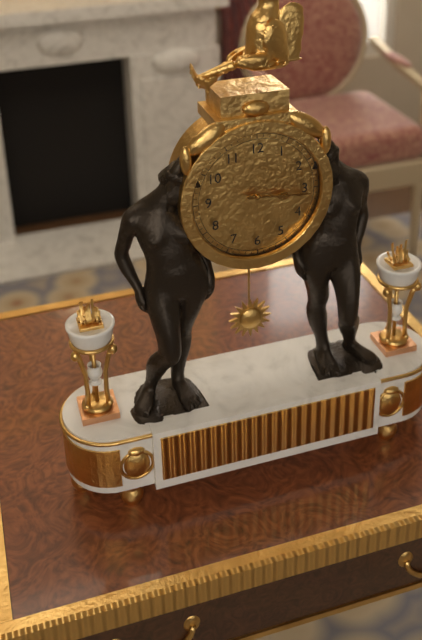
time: **3:16**
